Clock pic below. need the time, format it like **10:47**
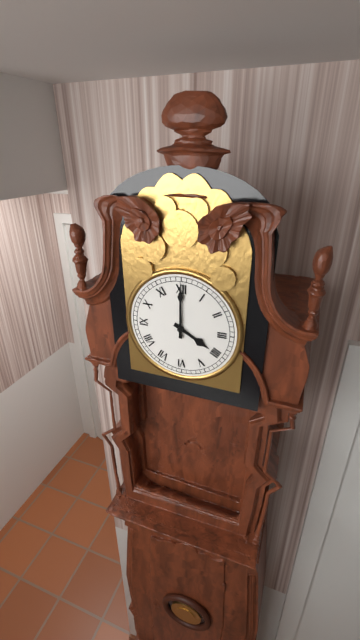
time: **4:00**
